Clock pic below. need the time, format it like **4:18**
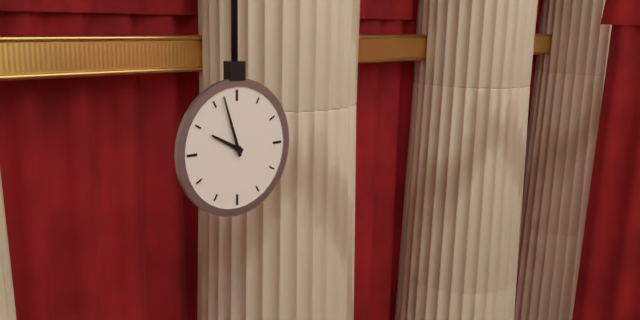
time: **9:57**
